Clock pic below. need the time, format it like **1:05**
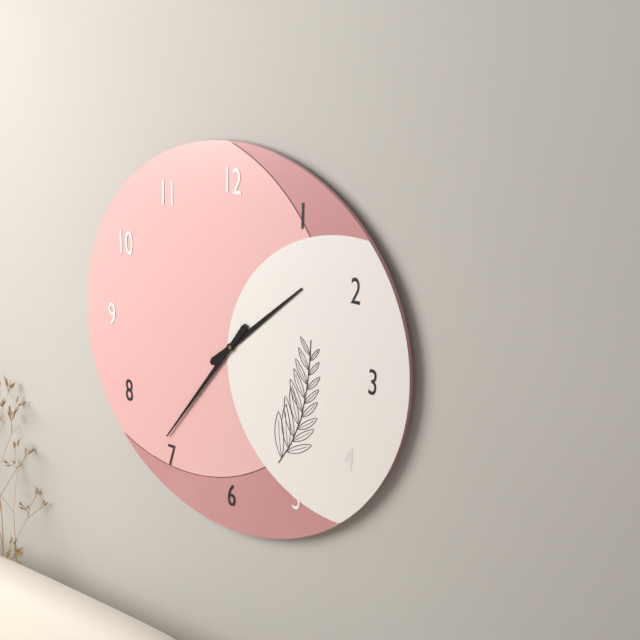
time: **1:36**
